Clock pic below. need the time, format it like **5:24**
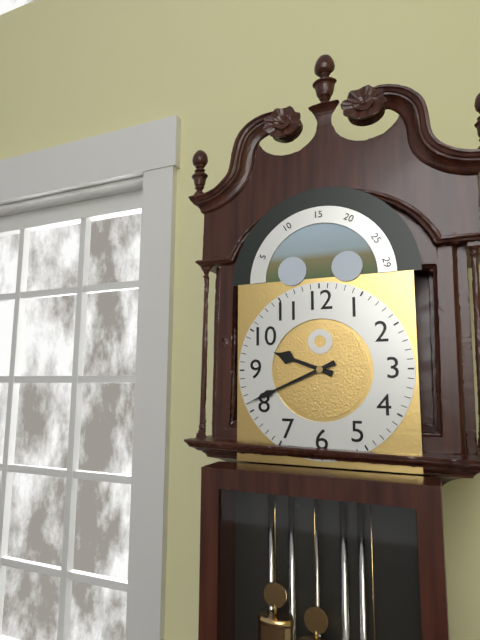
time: **9:41**
